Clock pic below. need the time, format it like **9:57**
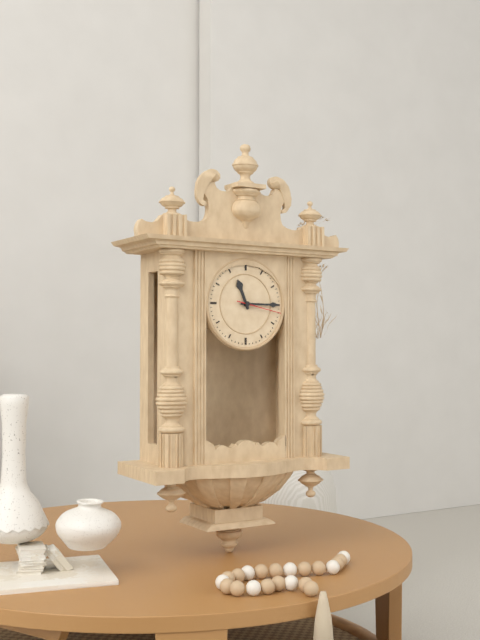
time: **11:15**
